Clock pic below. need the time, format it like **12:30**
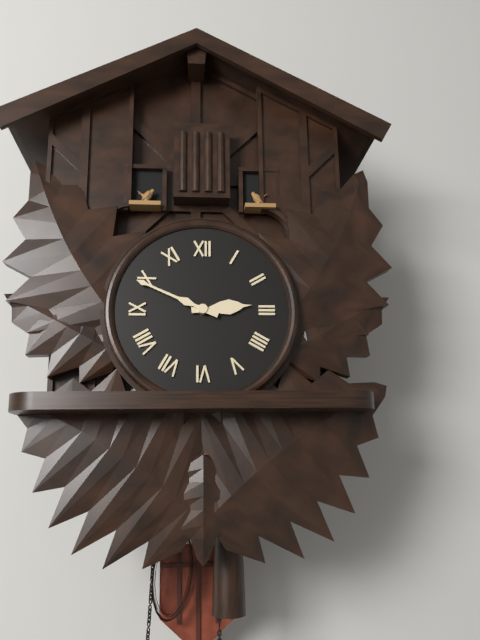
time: **2:49**
